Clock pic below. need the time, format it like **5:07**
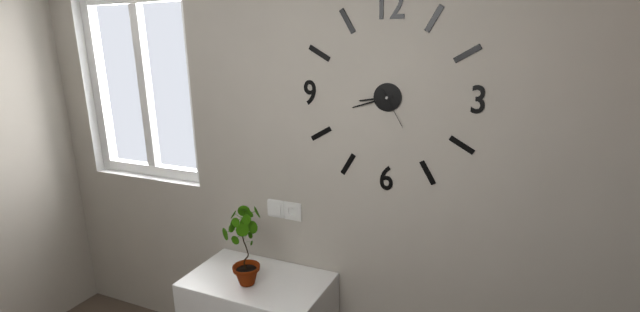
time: **8:42**
